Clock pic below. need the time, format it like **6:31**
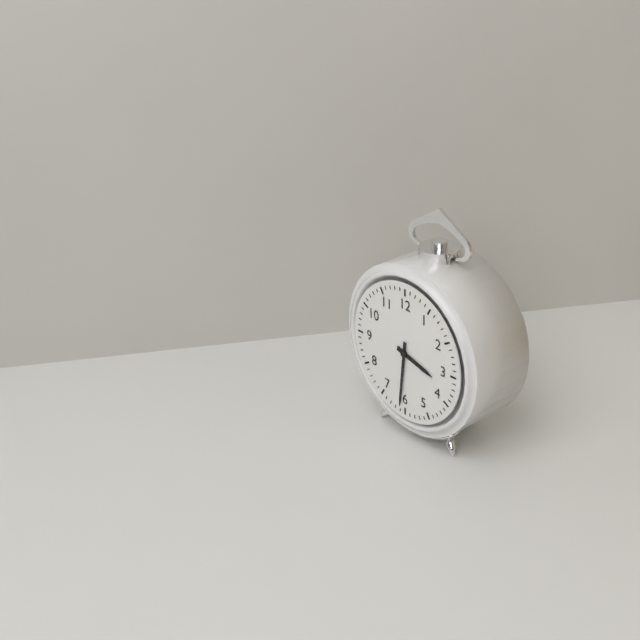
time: **3:31**
